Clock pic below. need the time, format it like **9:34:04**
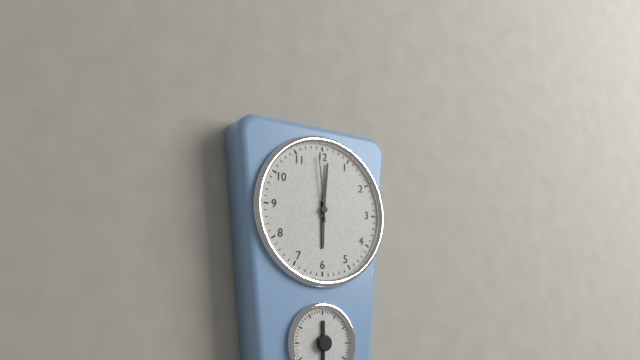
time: **6:01:59**
